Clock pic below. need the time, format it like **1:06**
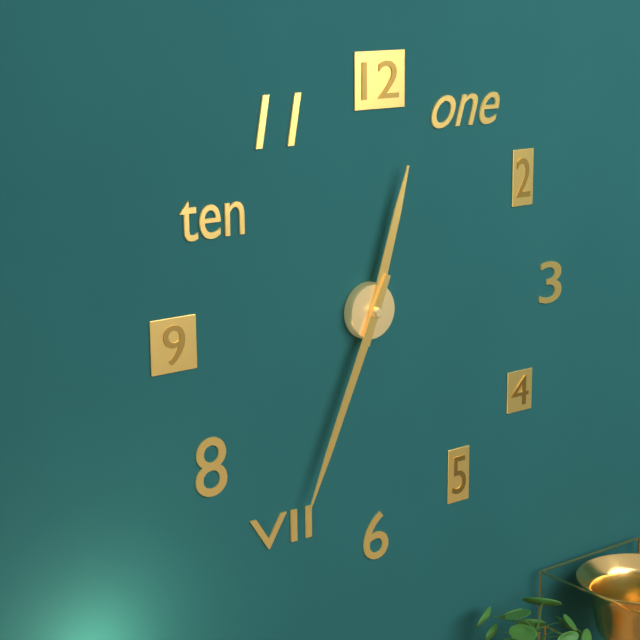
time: **12:34**
